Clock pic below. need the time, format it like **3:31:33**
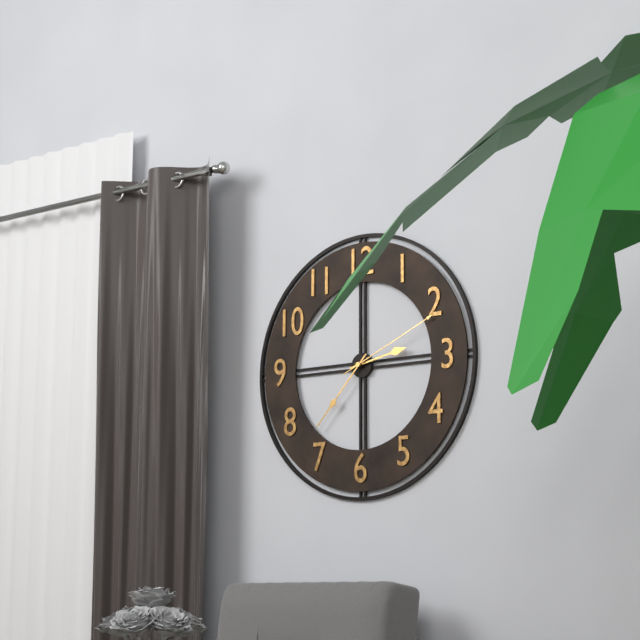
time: **2:37:11**
